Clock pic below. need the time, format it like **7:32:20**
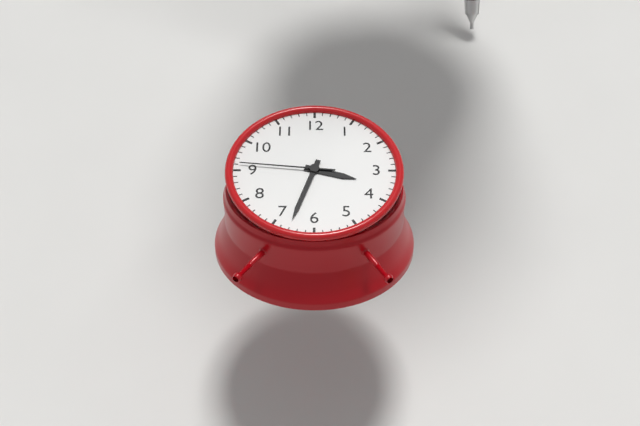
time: **3:33:46**
